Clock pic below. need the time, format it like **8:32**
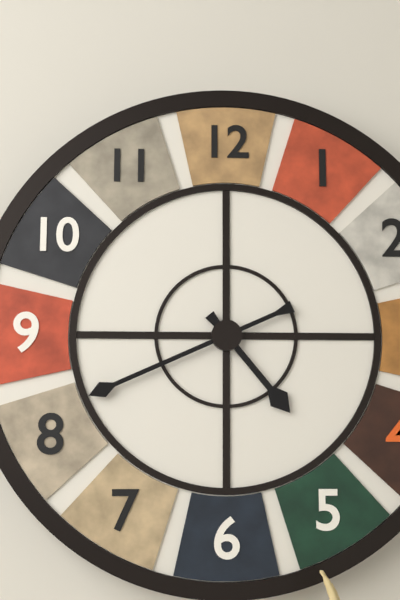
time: **4:41**
